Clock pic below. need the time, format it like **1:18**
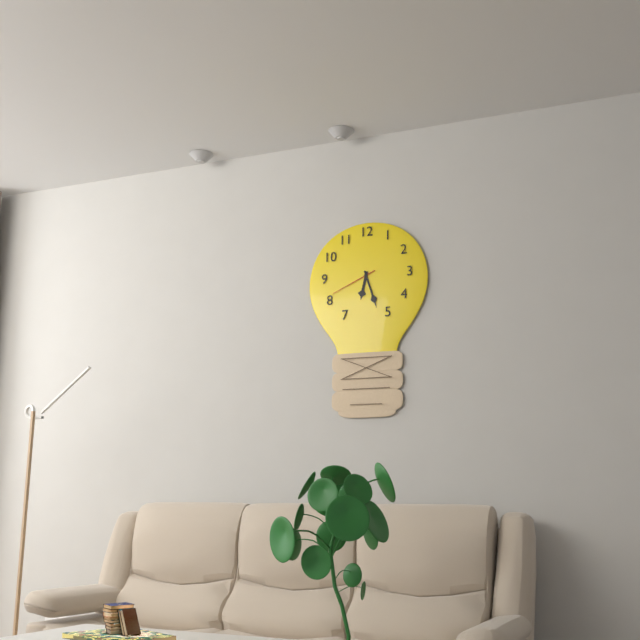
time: **6:27**
